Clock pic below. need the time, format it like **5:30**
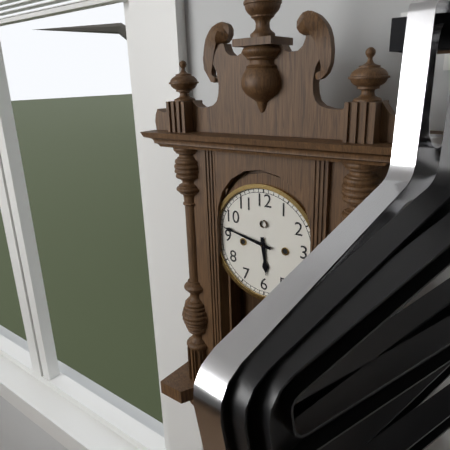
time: **5:47**
